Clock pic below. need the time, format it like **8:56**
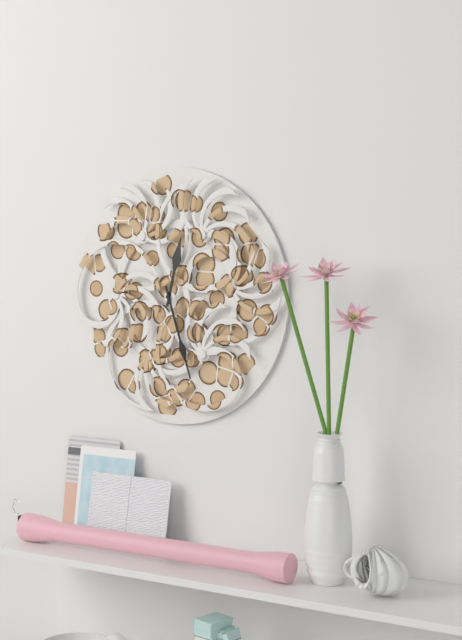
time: **12:27**
